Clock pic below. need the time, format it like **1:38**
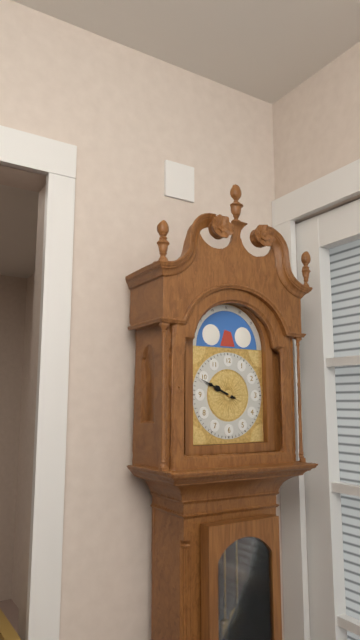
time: **9:49**
